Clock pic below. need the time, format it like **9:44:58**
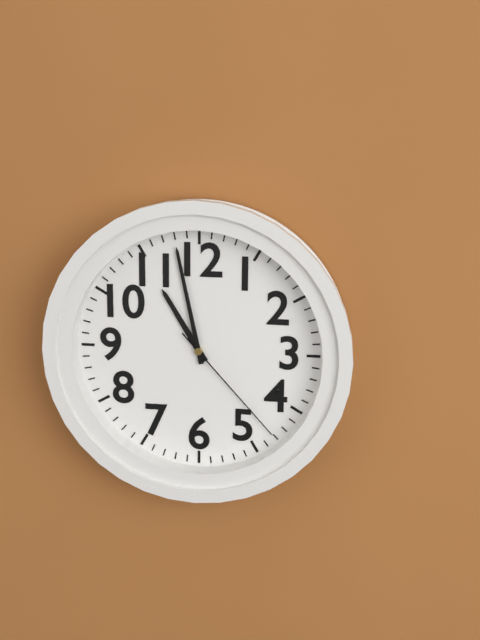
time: **10:58:23**
